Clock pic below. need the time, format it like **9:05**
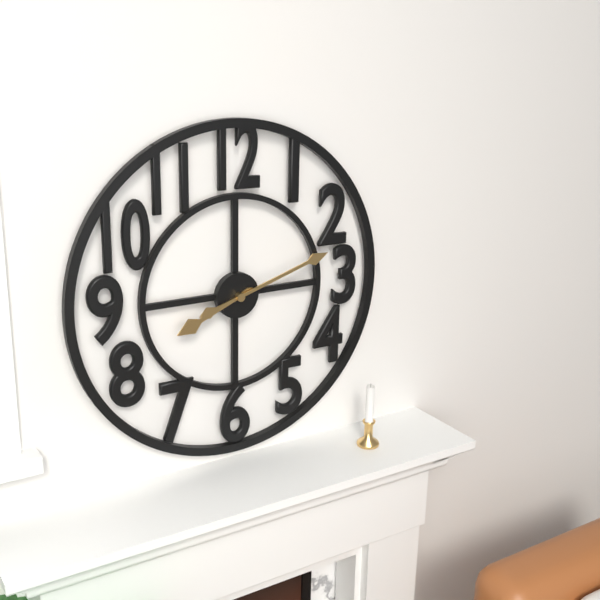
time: **8:12**
